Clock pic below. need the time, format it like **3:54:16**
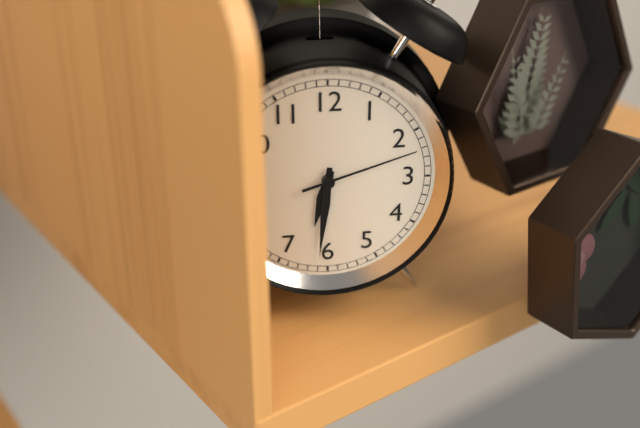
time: **6:31:12**
